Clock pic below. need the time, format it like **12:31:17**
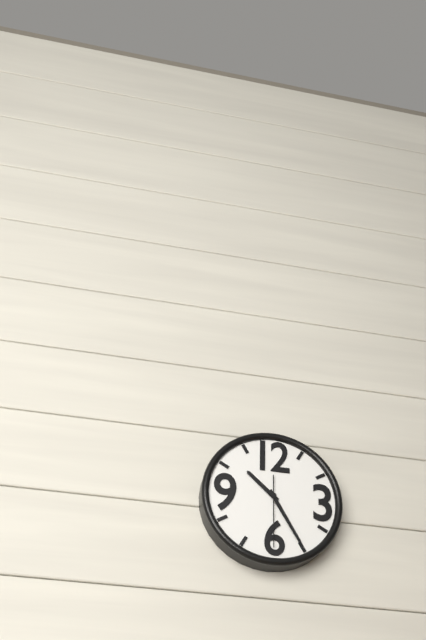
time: **10:25:30**
